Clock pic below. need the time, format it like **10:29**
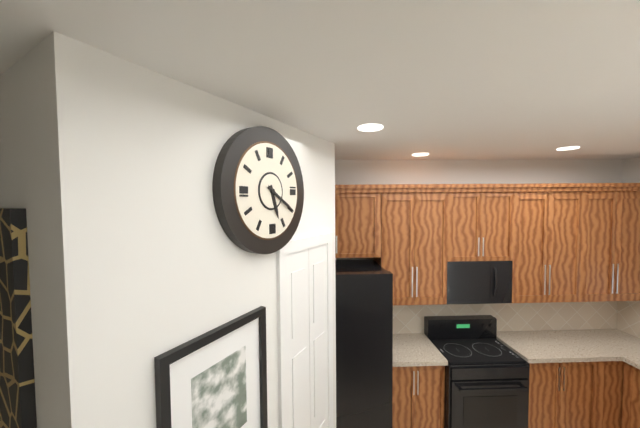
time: **5:20**
